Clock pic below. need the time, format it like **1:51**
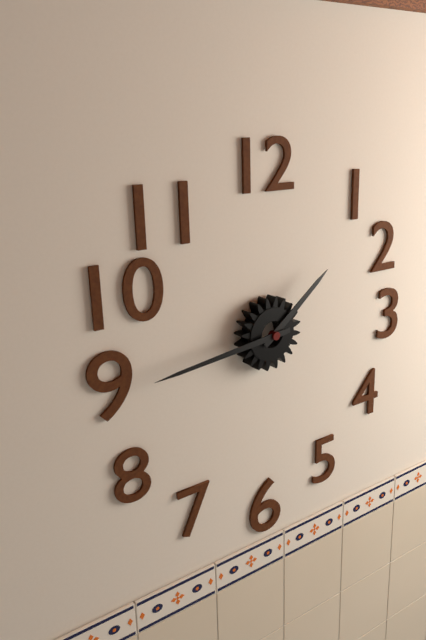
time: **1:44**
